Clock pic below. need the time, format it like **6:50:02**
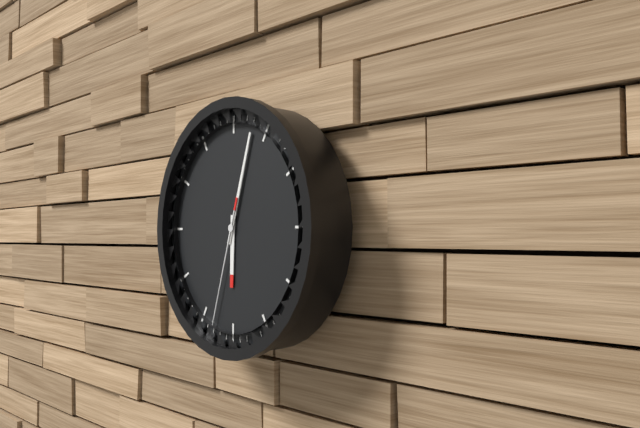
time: **6:03:33**
